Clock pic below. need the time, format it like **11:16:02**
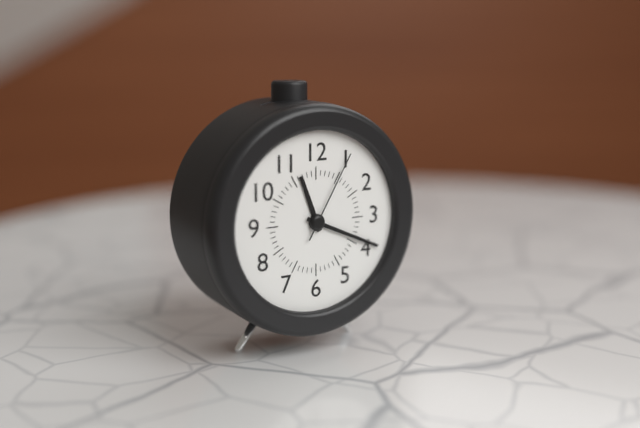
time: **11:19:05**
